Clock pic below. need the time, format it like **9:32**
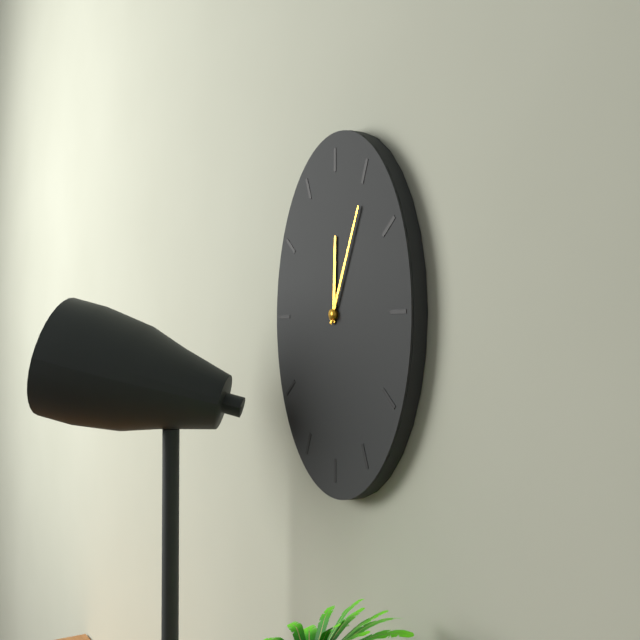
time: **12:04**
